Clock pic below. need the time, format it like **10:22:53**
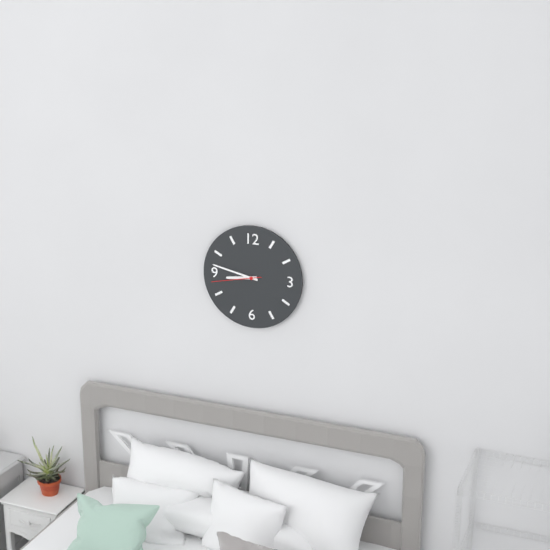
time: **8:47:43**
